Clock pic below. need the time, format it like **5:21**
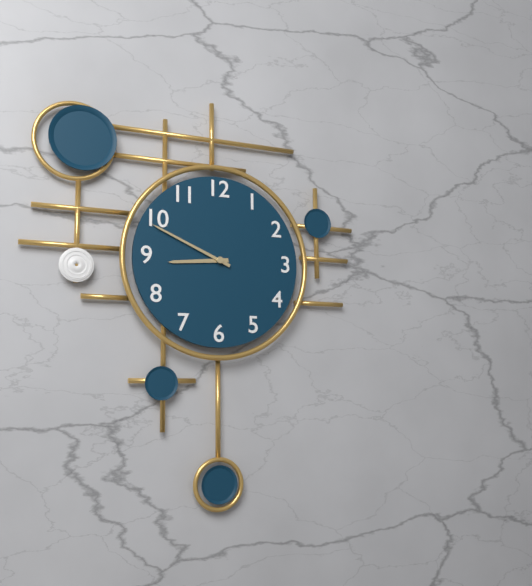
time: **8:49**
